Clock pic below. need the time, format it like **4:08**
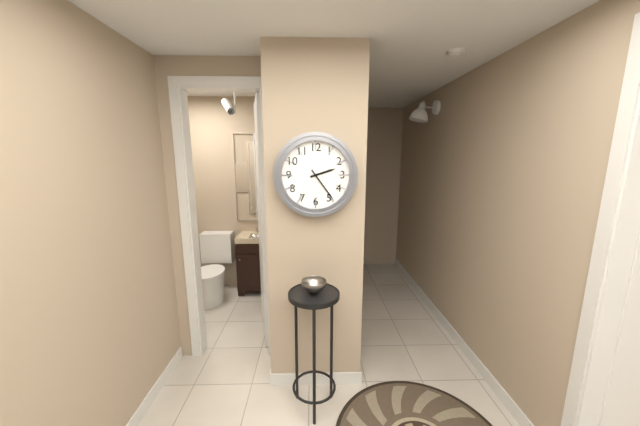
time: **2:24**
